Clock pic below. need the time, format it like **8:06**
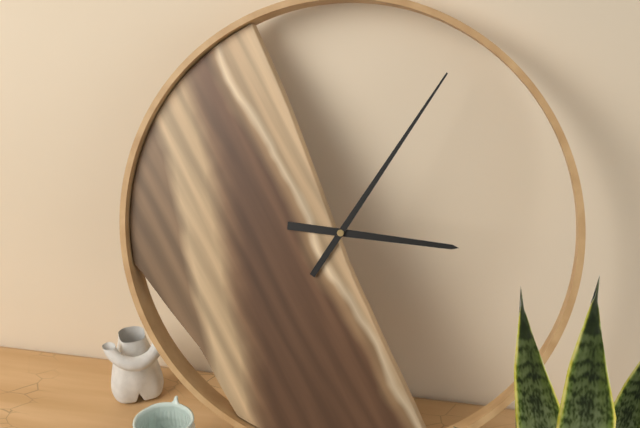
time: **3:05**
